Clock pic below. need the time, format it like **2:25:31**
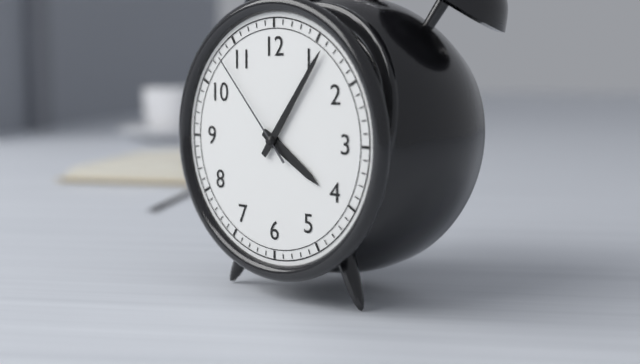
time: **4:06:53**
